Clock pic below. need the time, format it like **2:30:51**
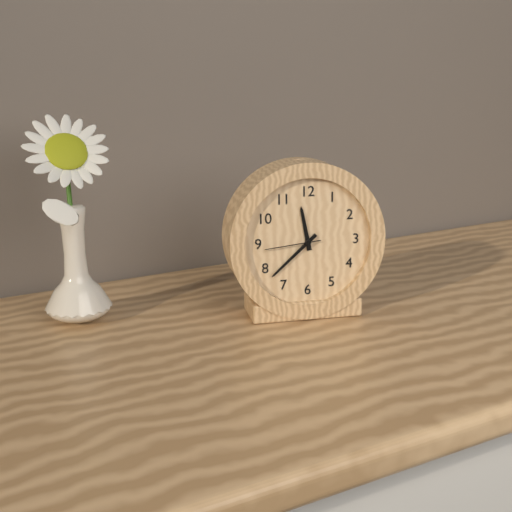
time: **11:38:44**
